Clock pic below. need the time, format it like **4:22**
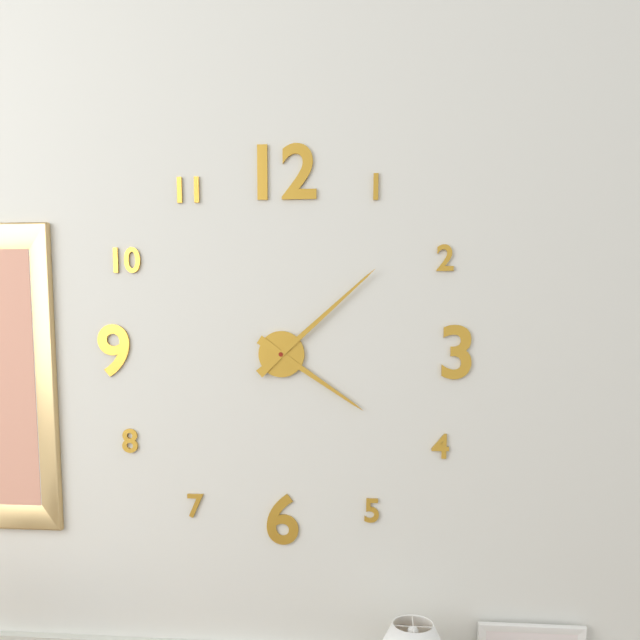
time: **4:08**
